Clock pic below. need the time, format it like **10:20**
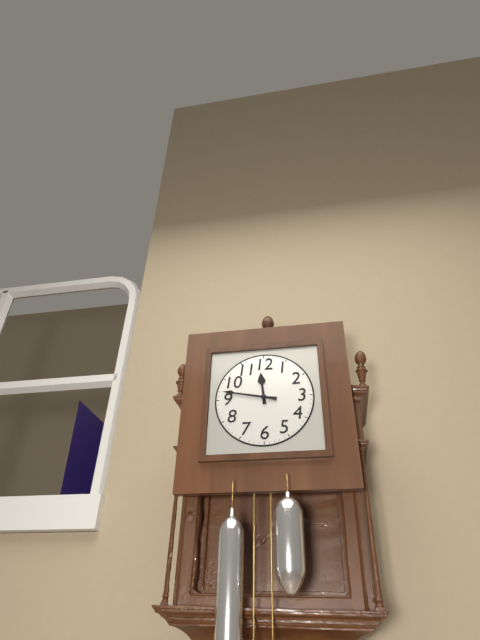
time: **11:47**
